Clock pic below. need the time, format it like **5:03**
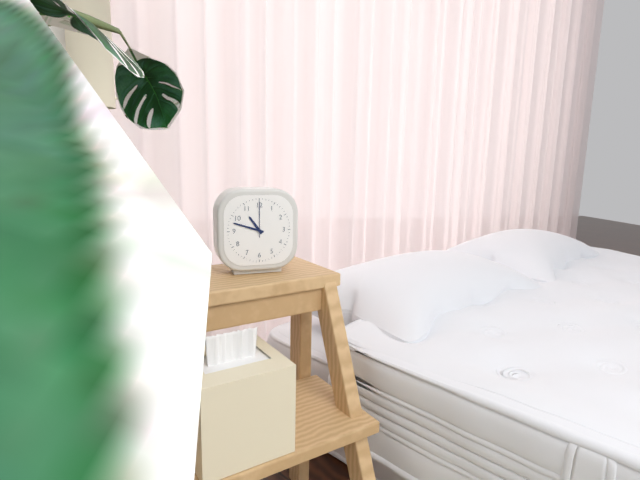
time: **10:48**
